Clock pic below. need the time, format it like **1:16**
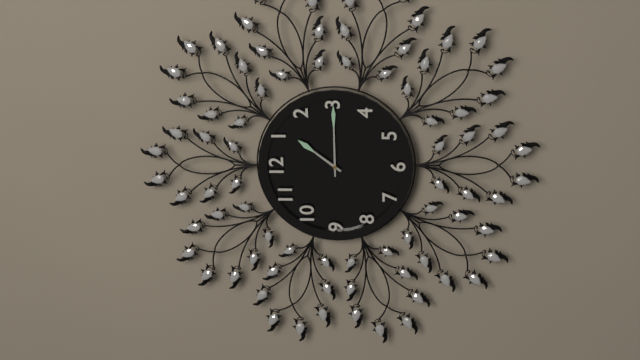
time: **1:15**
